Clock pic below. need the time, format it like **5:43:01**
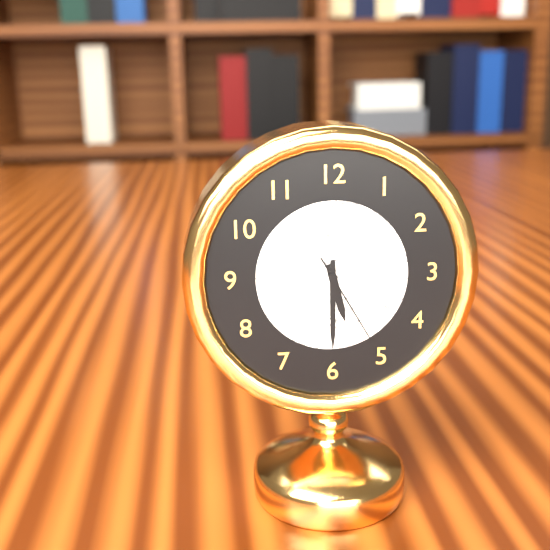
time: **5:30:25**
